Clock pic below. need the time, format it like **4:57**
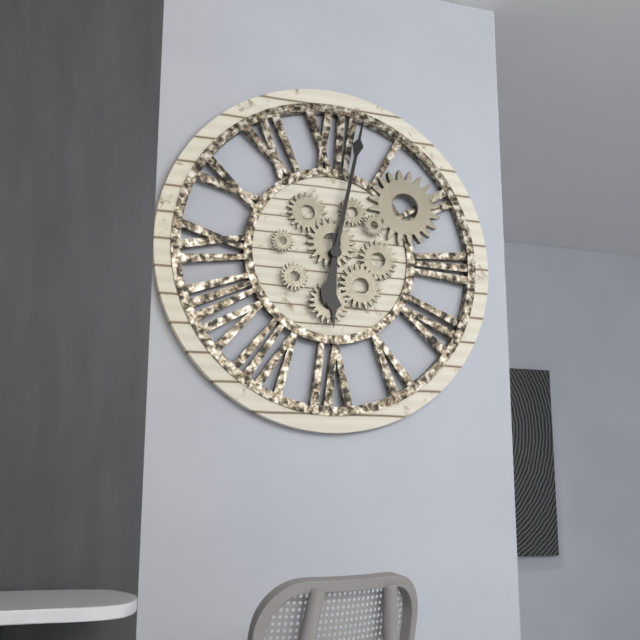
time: **6:02**
